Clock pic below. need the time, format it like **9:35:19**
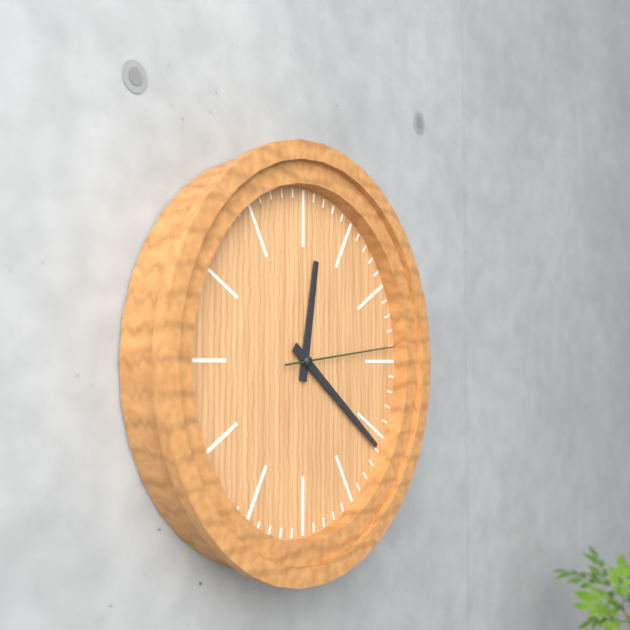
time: **12:21:14**
